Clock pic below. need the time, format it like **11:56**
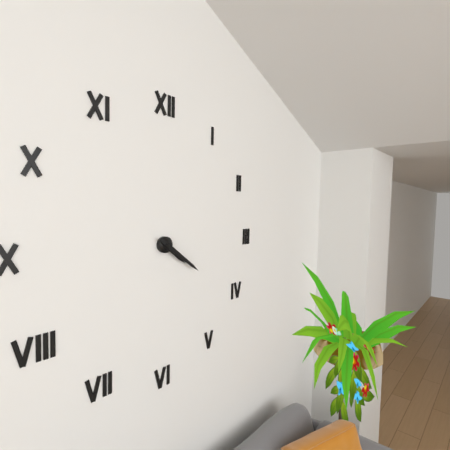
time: **4:21**
